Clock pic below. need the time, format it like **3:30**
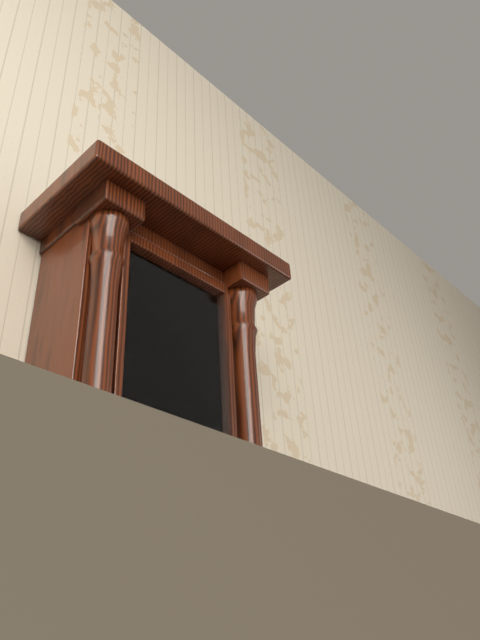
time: **4:02**
